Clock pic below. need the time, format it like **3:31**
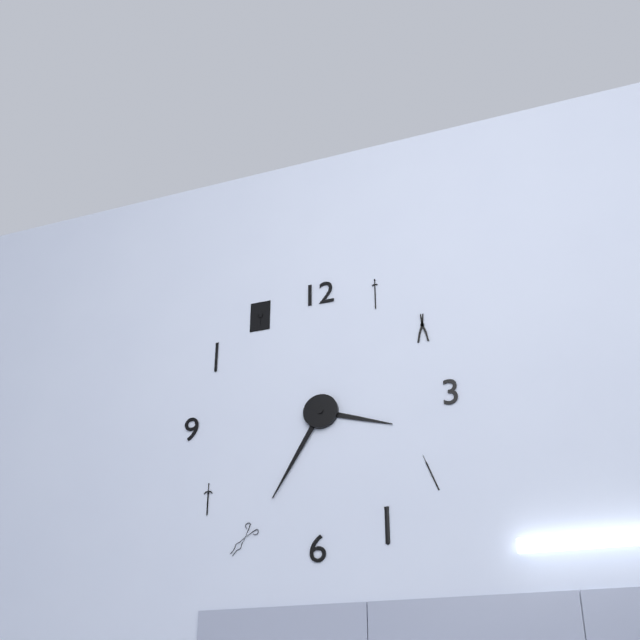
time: **3:35**
